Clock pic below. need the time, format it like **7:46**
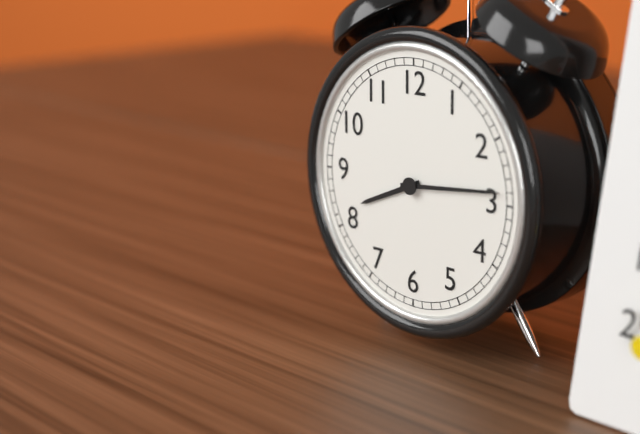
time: **8:14**
